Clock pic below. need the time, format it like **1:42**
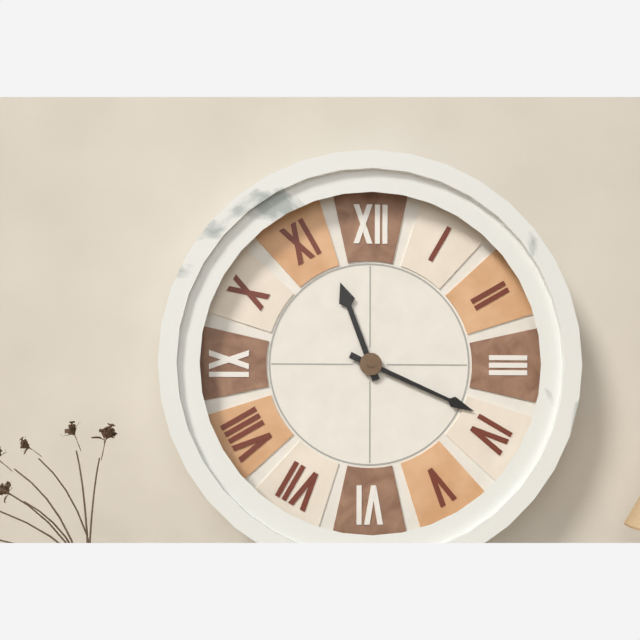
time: **11:19**
